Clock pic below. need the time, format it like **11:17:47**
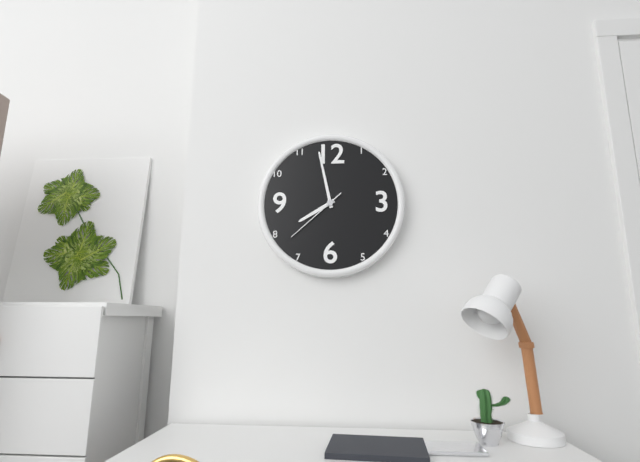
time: **7:58:38**
